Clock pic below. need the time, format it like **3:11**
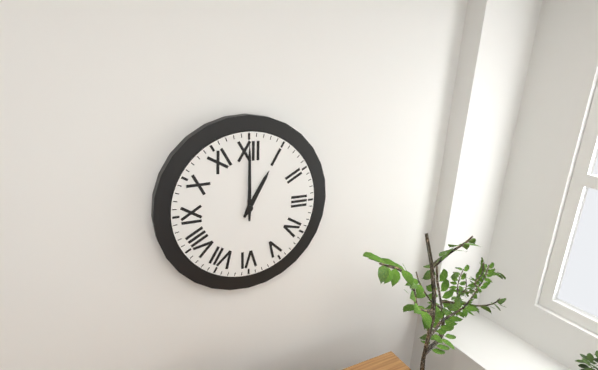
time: **1:00**
